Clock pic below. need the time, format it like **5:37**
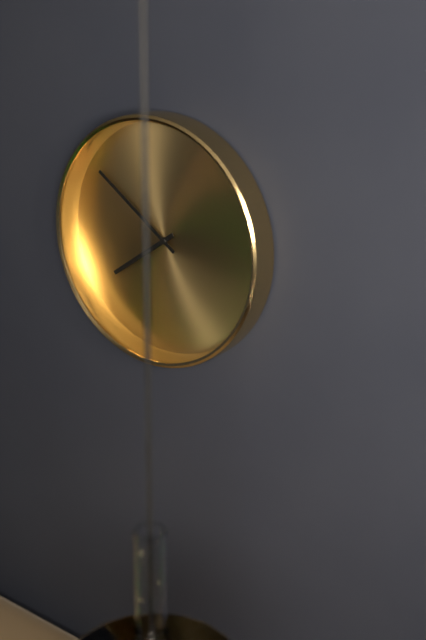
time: **7:51**
